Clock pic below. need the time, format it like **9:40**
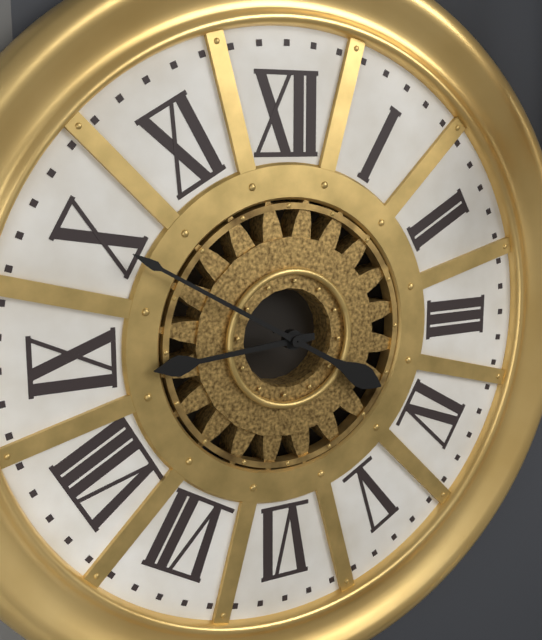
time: **8:50**
